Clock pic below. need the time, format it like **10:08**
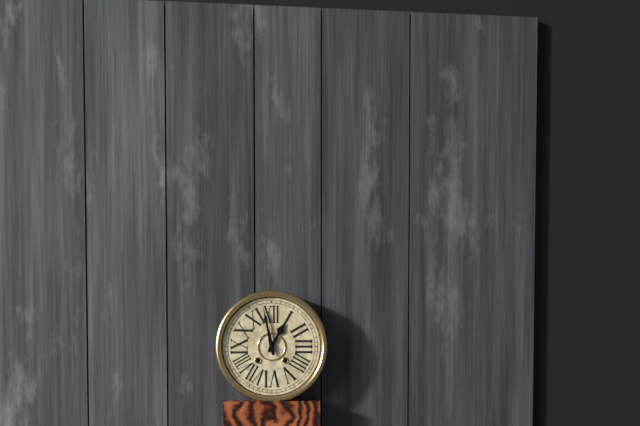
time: **12:58**
